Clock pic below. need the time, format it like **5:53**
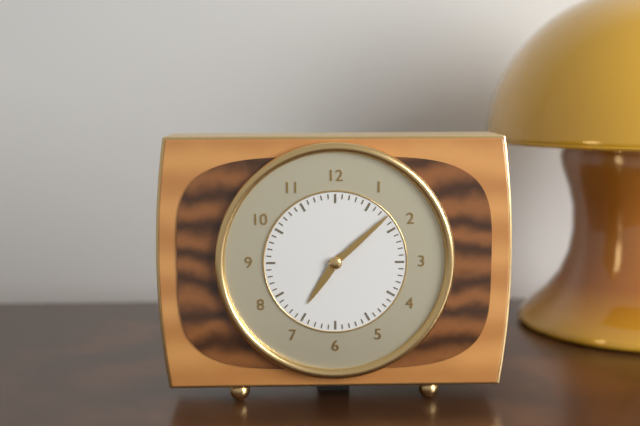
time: **7:08**
